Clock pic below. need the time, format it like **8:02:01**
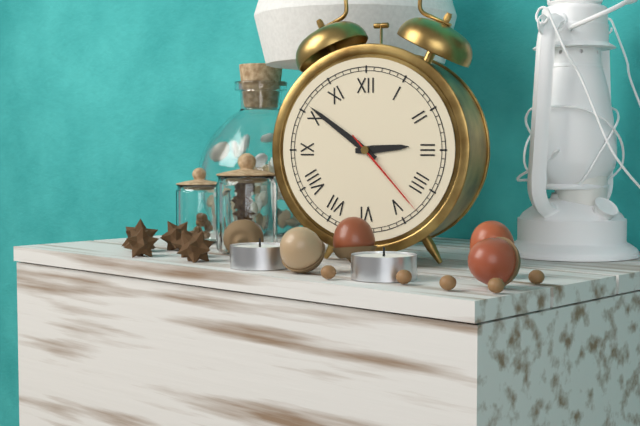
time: **2:51:23**
